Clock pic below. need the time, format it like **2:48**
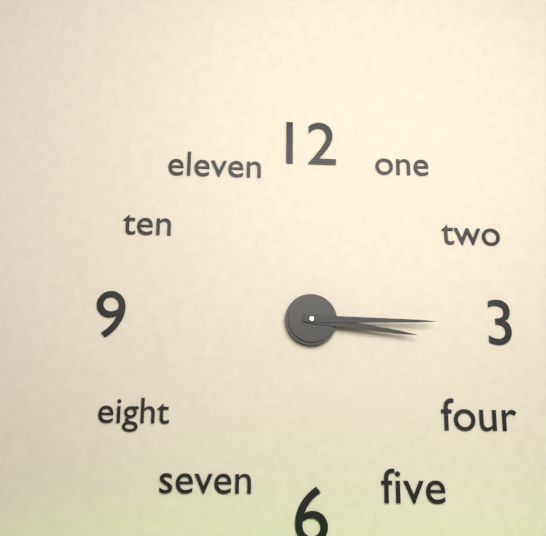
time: **3:15**
